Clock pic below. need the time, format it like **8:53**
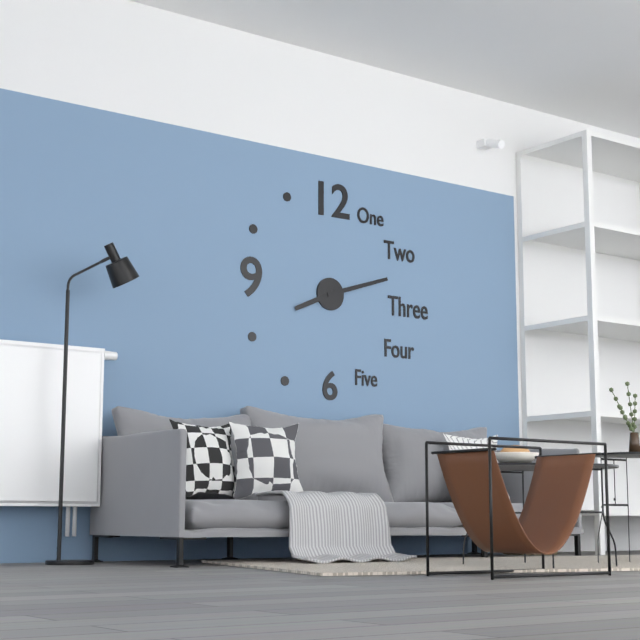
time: **8:12**
